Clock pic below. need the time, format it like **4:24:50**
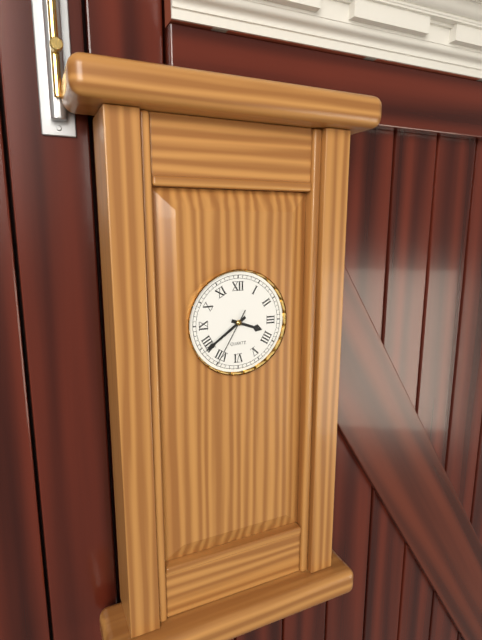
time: **3:39:35**
